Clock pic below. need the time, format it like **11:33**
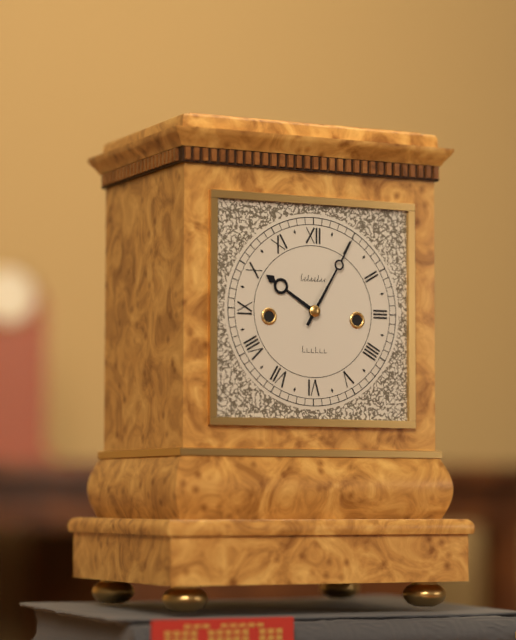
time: **10:05**
